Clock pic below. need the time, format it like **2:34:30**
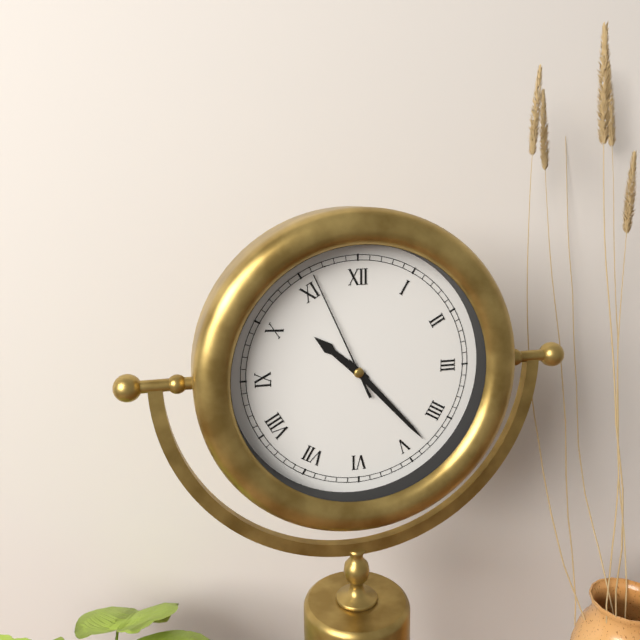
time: **10:23:56**
